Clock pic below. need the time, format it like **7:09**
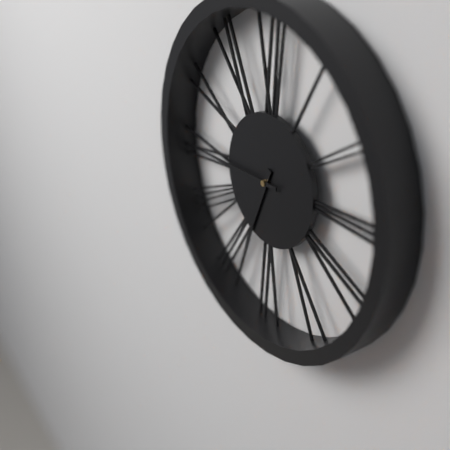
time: **6:45**
